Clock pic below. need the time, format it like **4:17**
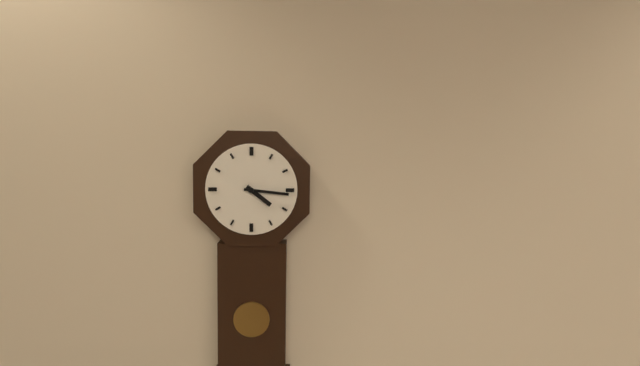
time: **4:16**
